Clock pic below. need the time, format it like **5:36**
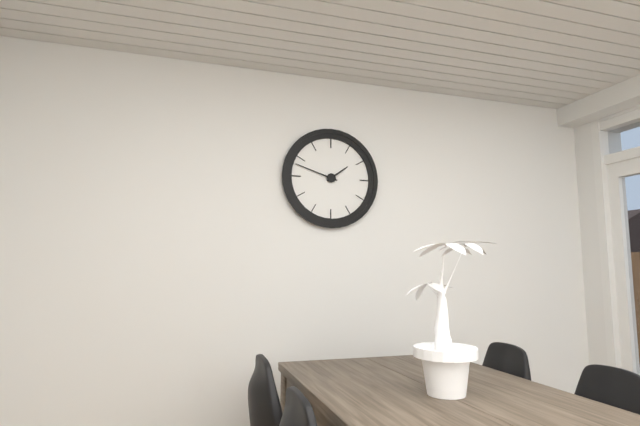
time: **1:48**
